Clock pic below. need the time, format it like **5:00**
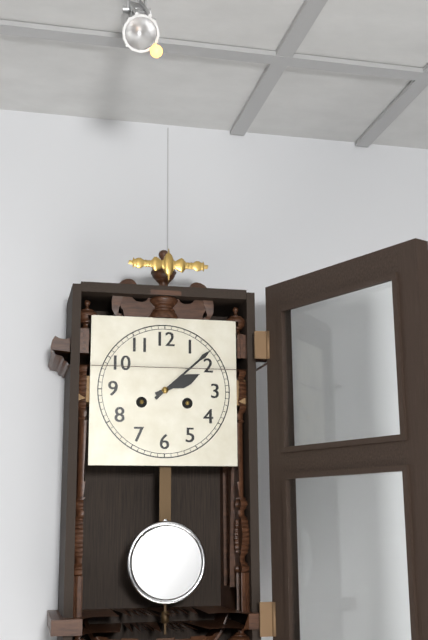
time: **2:08**
